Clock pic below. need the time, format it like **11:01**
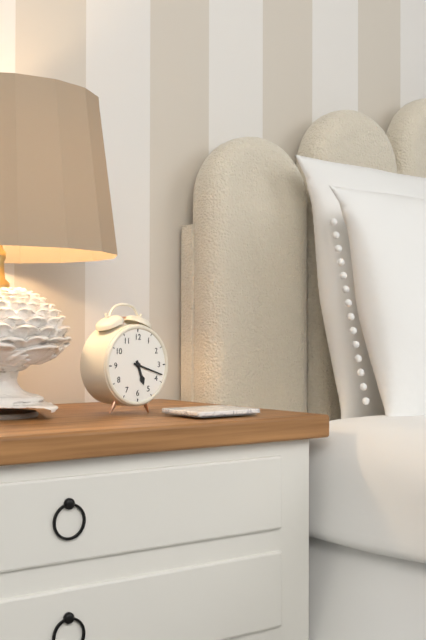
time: **5:18**
